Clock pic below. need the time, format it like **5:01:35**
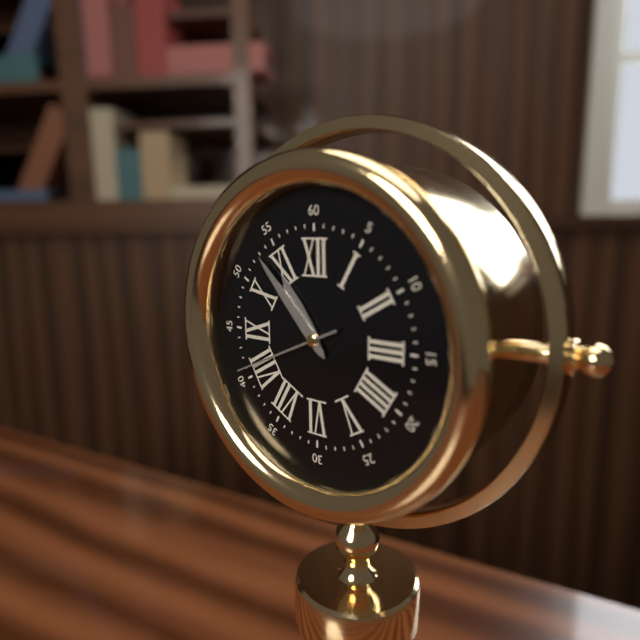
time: **10:53:41**
